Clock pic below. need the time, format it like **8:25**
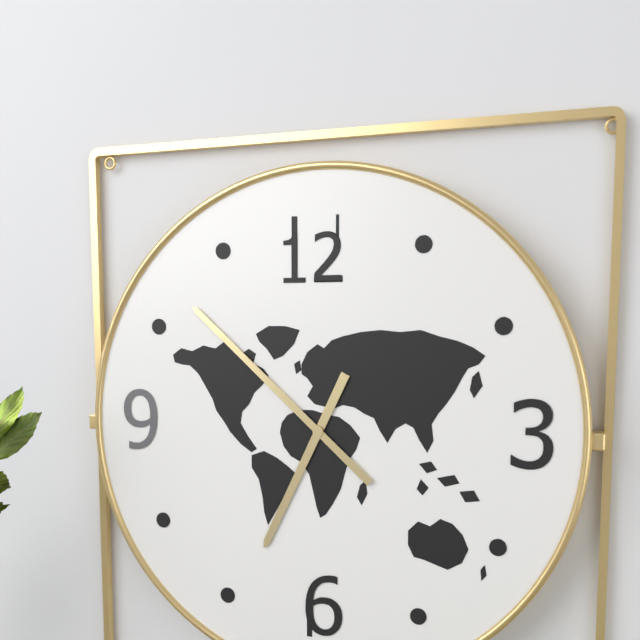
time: **6:52**
